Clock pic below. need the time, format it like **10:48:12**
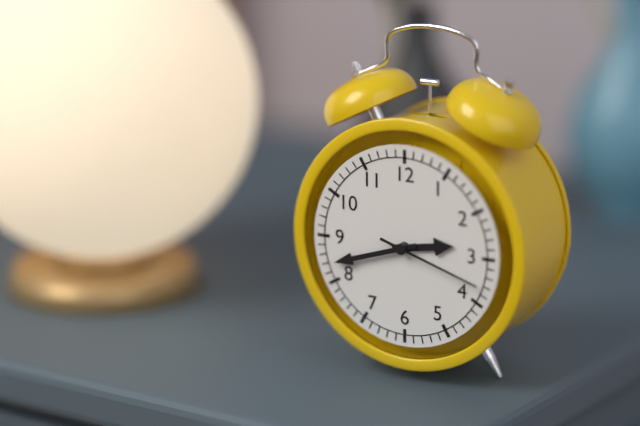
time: **2:42:18**
